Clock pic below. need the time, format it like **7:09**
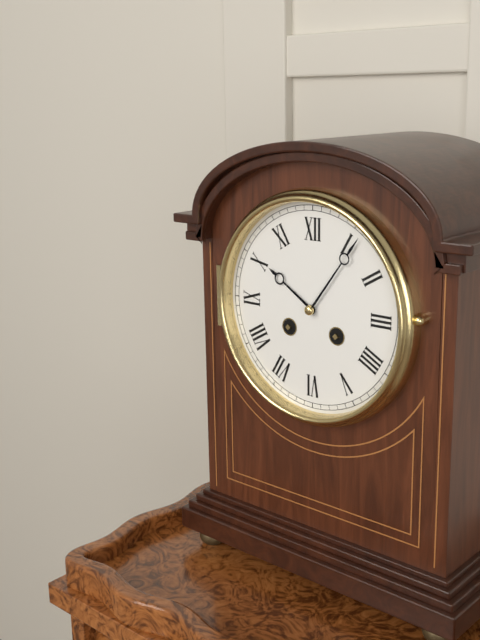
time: **10:06**
